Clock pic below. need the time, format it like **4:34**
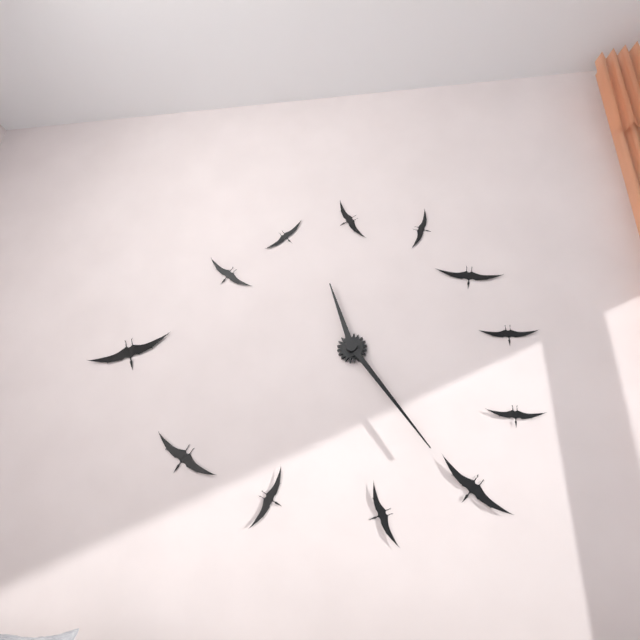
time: **11:24**
